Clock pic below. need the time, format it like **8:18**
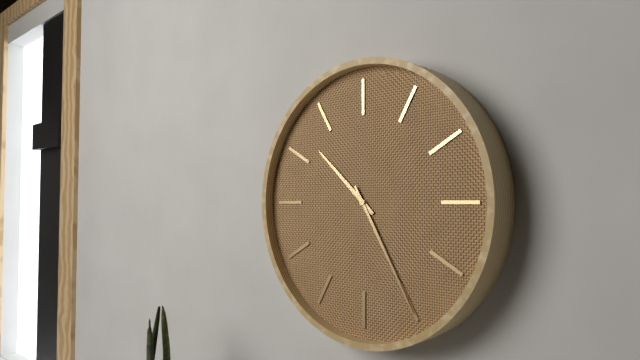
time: **10:25**
